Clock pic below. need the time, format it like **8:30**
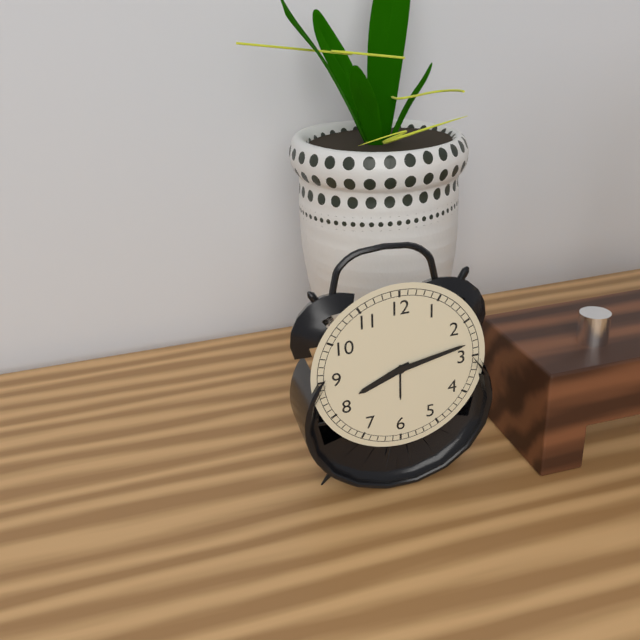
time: **8:13**
